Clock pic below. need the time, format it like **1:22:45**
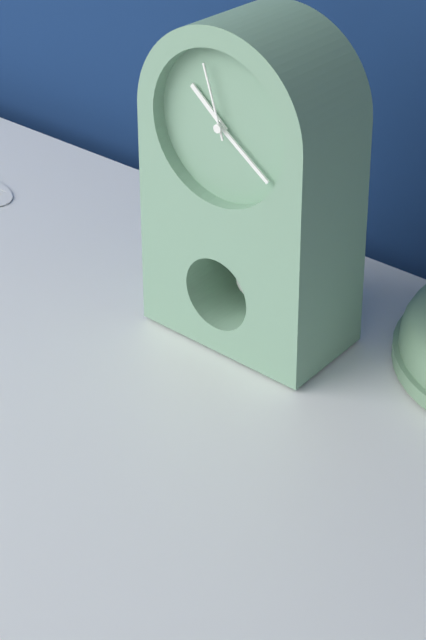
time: **10:21:57**
